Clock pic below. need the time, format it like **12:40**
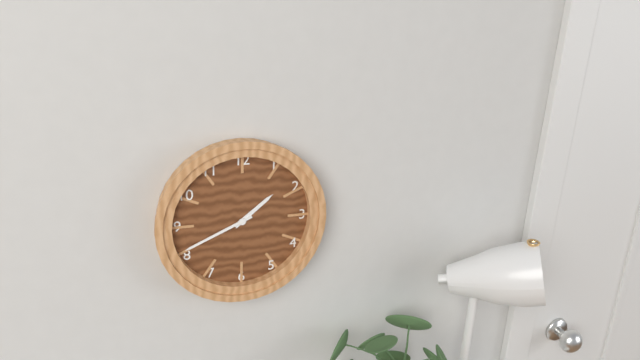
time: **1:41**
